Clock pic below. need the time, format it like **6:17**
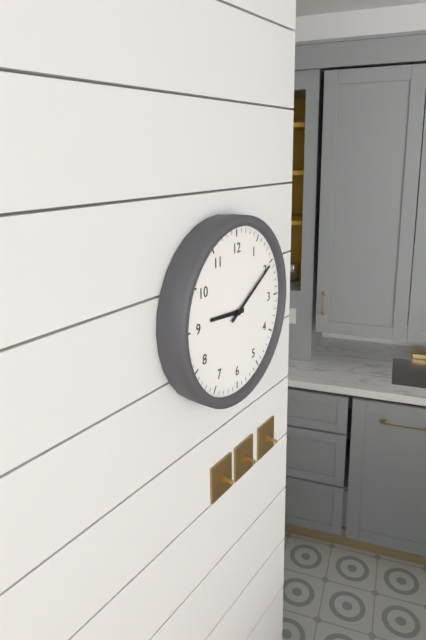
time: **9:10**
